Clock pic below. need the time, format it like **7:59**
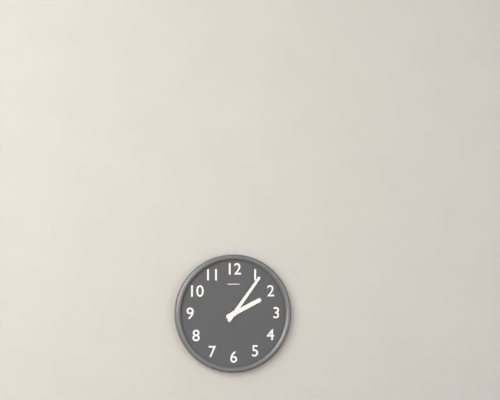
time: **2:06**
